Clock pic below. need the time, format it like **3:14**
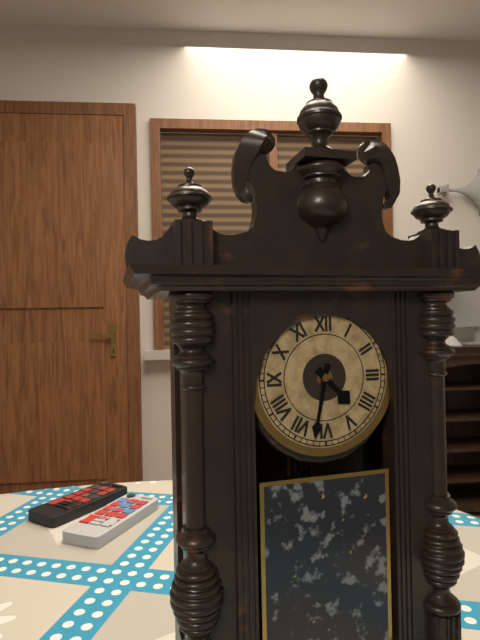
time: **4:32**
